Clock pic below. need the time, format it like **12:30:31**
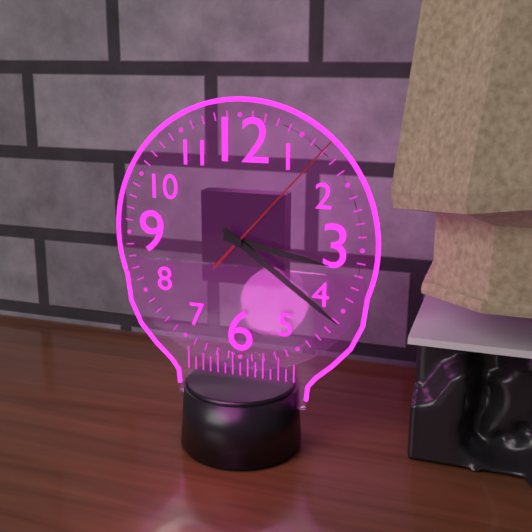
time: **3:21:07**
